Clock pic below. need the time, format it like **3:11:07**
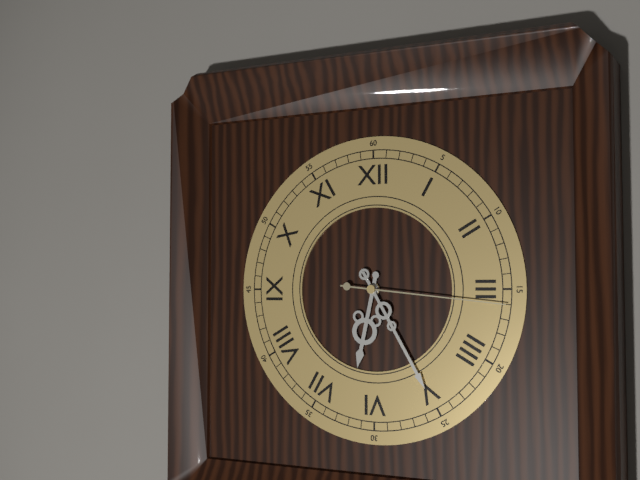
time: **6:25:16**
